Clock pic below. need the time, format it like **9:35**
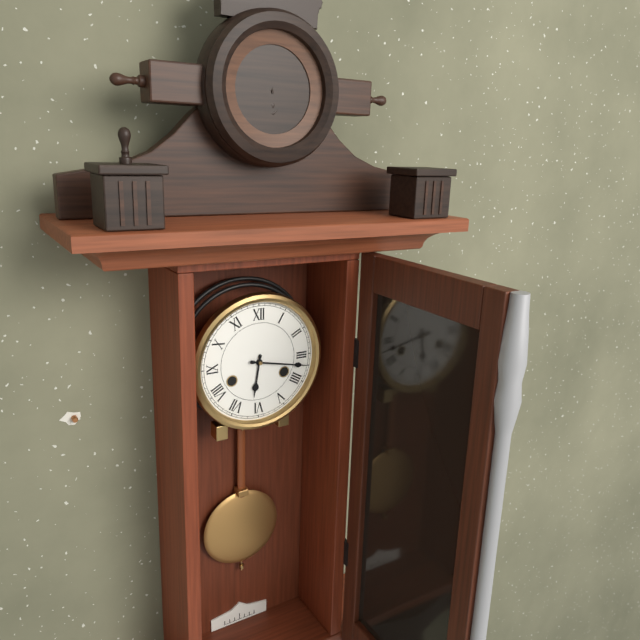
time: **6:17**
